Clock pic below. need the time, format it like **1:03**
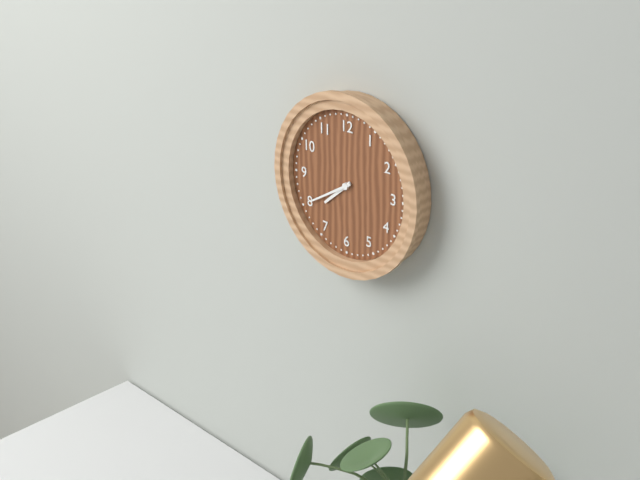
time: **7:40**
